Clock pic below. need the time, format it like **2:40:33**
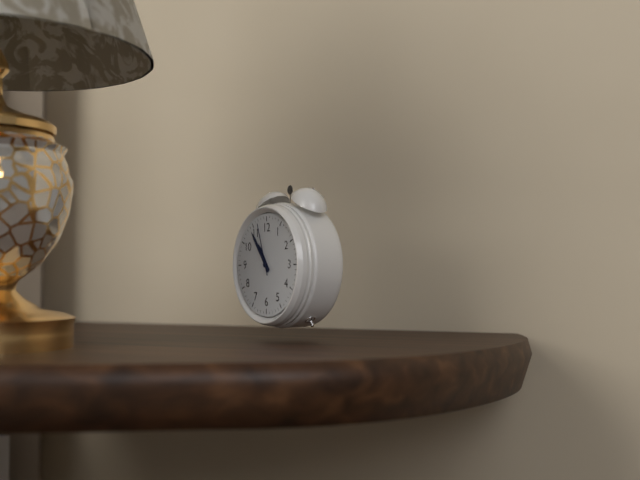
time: **10:54:57**
